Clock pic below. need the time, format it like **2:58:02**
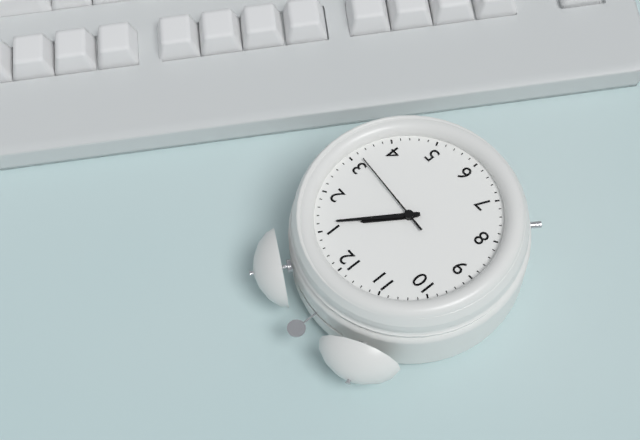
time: **1:06:16**
